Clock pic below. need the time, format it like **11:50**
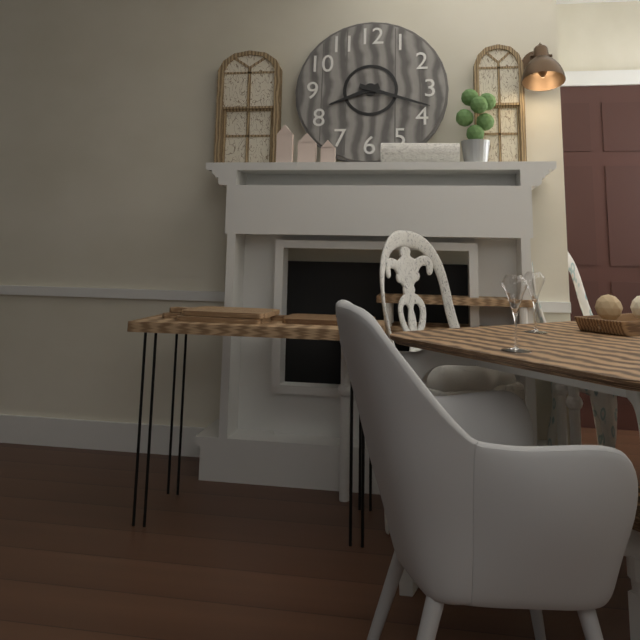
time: **8:18**
